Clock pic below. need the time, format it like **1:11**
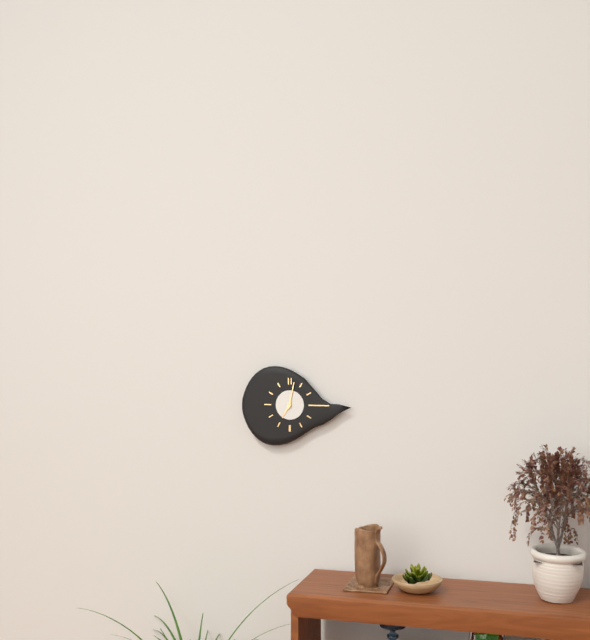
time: **7:02**
